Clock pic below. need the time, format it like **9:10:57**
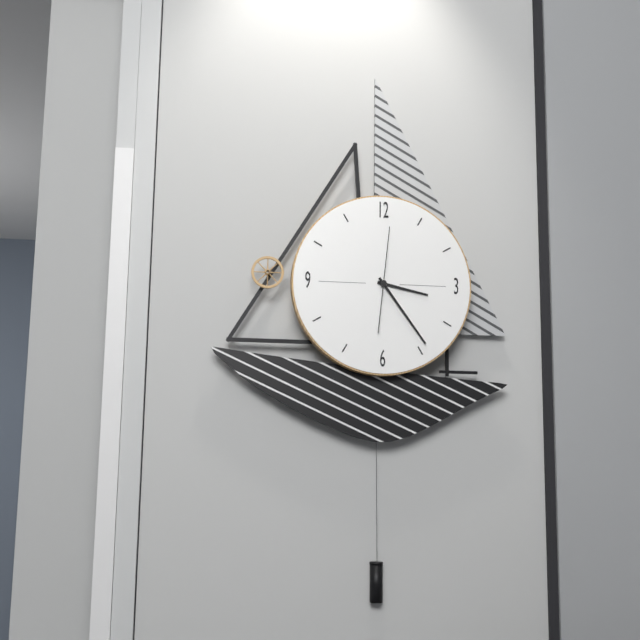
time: **3:24:01**
